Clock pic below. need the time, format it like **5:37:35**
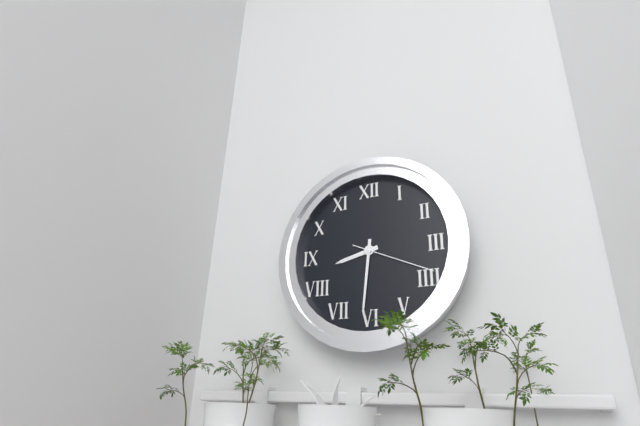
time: **8:31:19**
